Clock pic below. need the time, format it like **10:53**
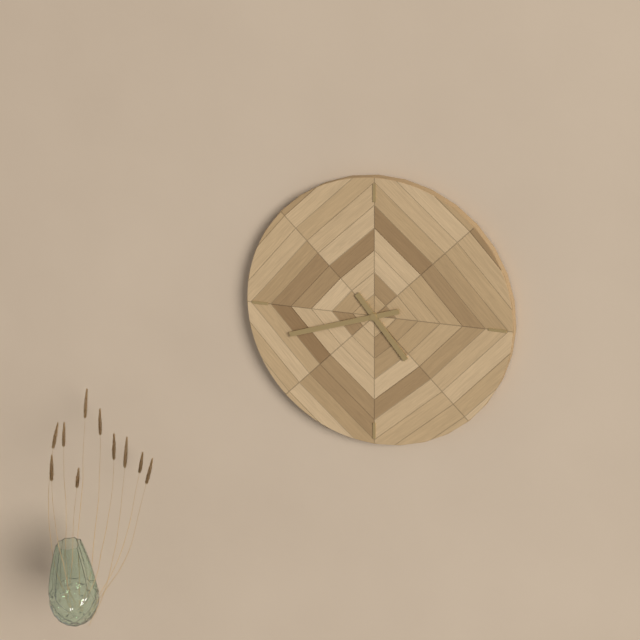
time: **4:42**
